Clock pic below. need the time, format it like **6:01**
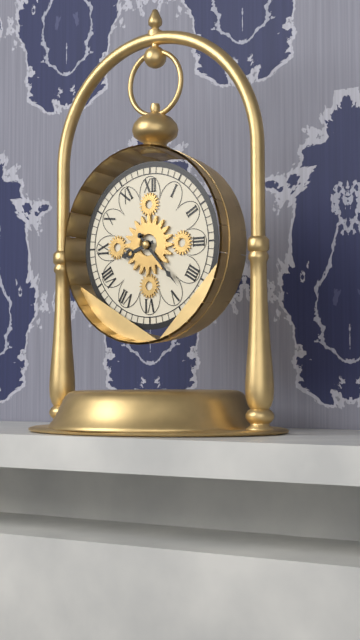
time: **8:23**
